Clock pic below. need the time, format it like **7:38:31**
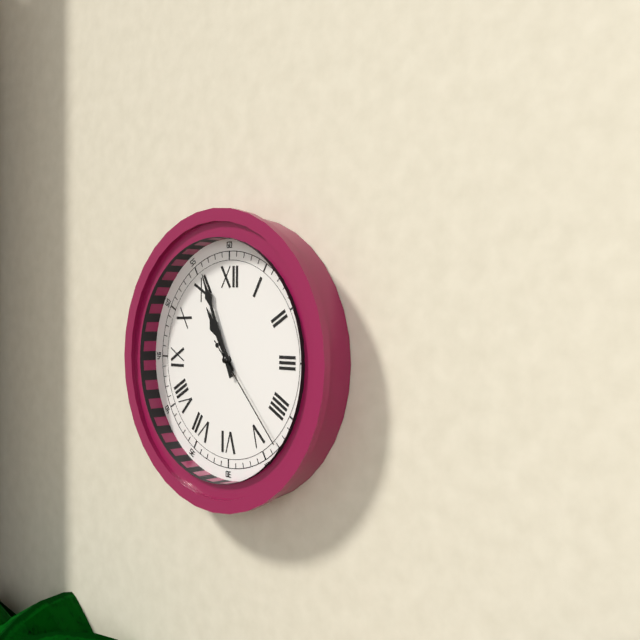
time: **10:56:23**
